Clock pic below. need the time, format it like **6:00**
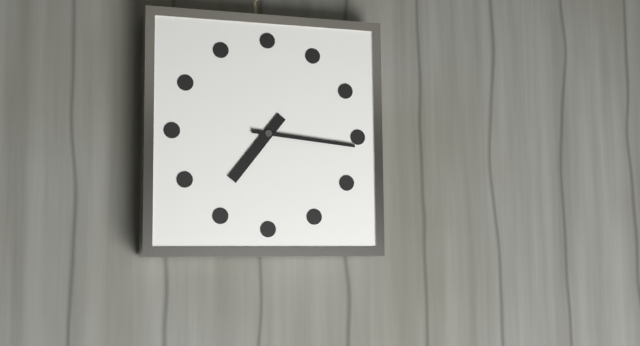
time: **7:16**
